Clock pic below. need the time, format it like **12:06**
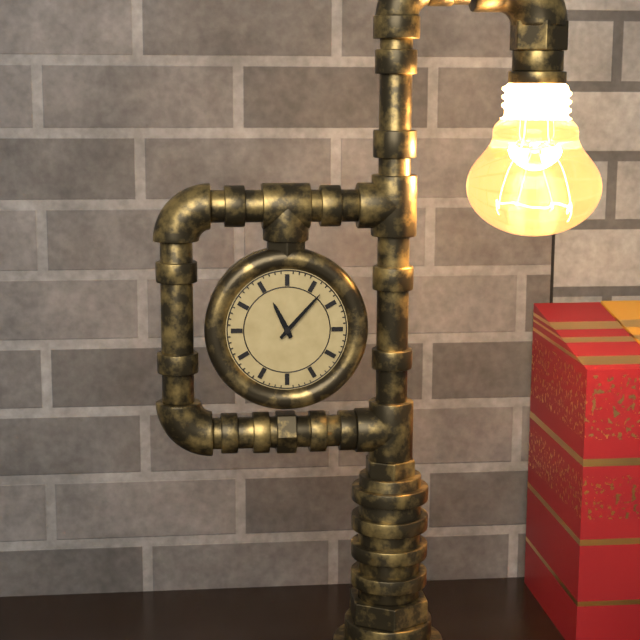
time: **11:07**
